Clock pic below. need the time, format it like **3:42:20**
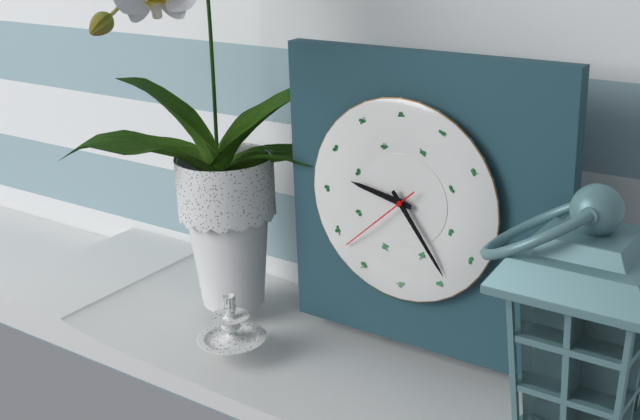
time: **9:24:38**
